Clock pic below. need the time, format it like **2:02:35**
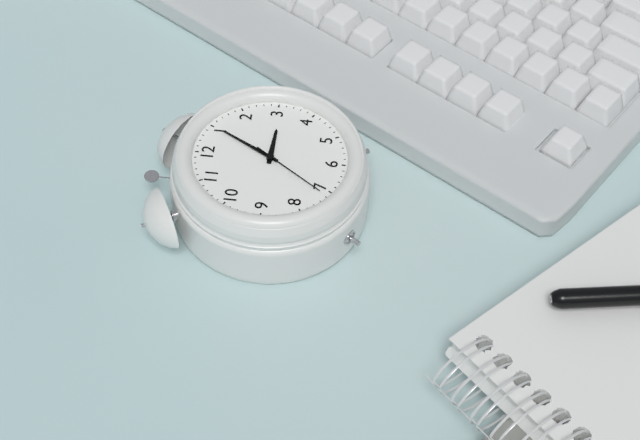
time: **3:05:36**
